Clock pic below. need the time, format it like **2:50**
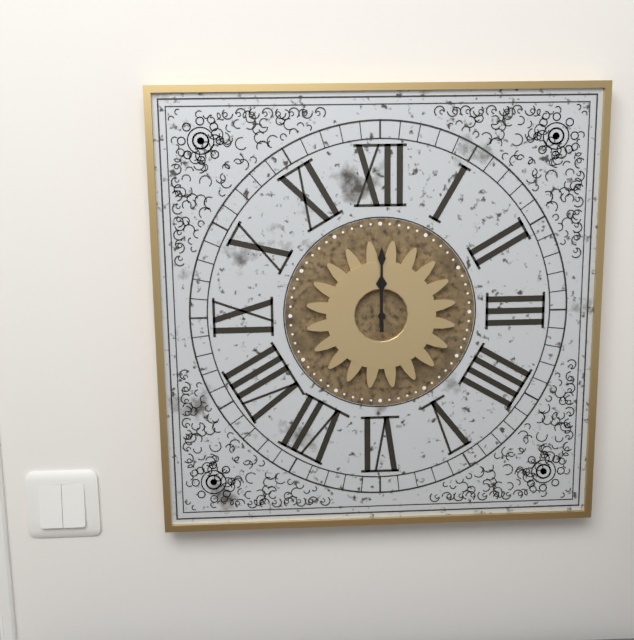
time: **12:00**
